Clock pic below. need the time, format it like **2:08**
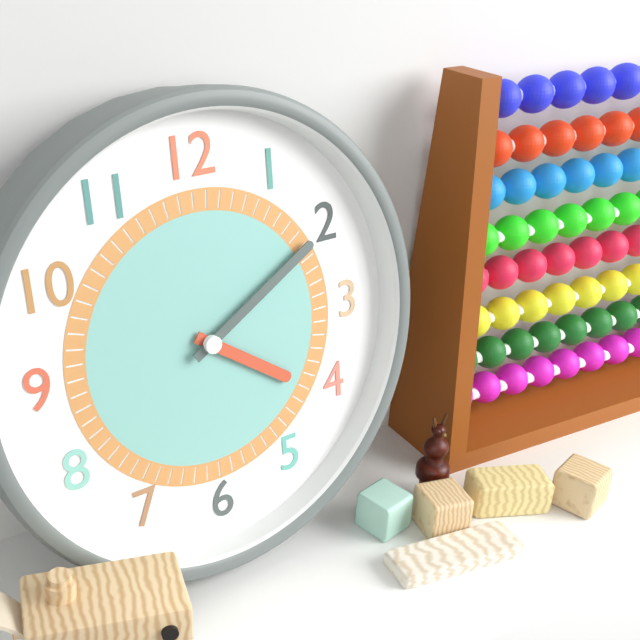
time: **4:10**
